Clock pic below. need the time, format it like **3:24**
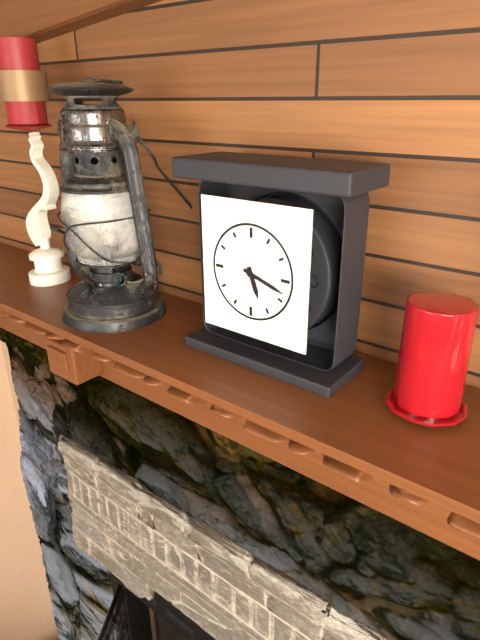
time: **5:18**
